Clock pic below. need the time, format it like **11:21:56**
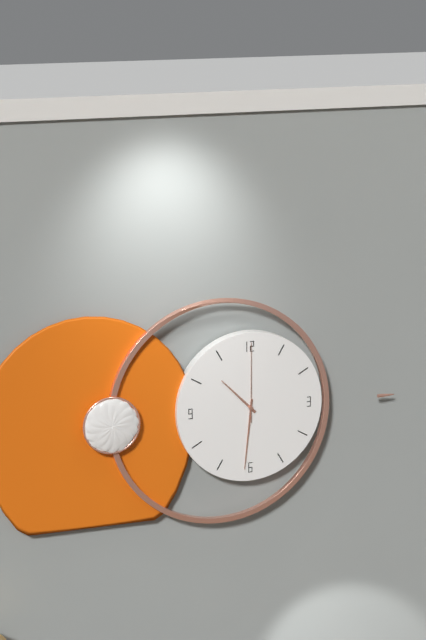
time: **10:31:00**
